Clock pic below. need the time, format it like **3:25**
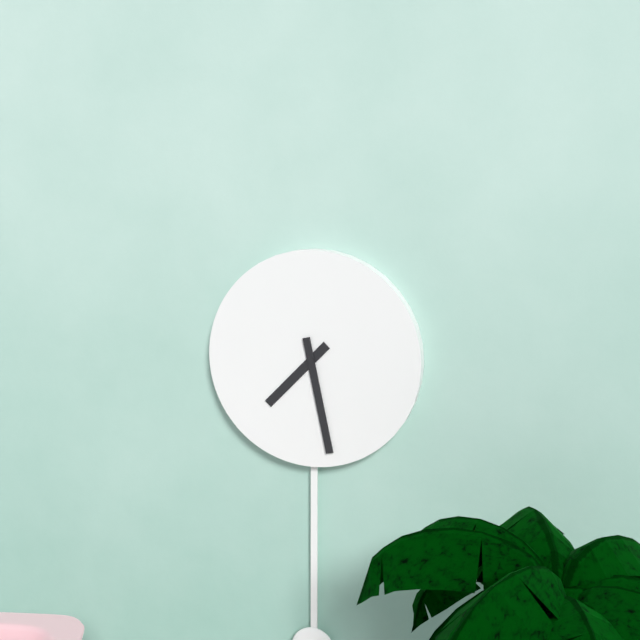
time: **7:28**
